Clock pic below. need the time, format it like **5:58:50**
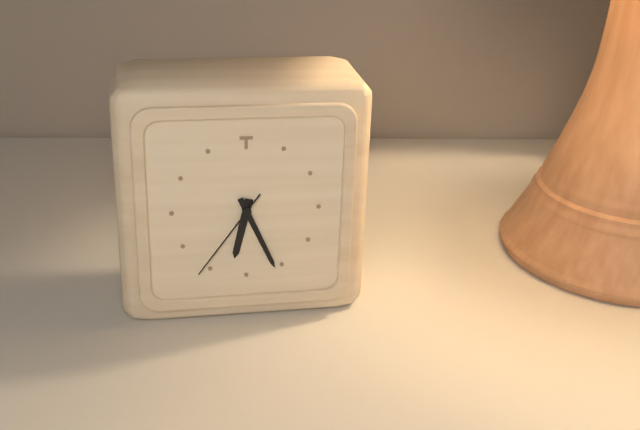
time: **6:26:36**
